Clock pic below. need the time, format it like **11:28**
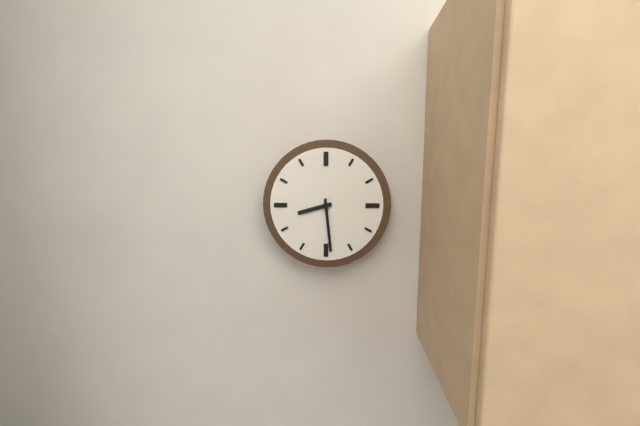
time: **8:29**
